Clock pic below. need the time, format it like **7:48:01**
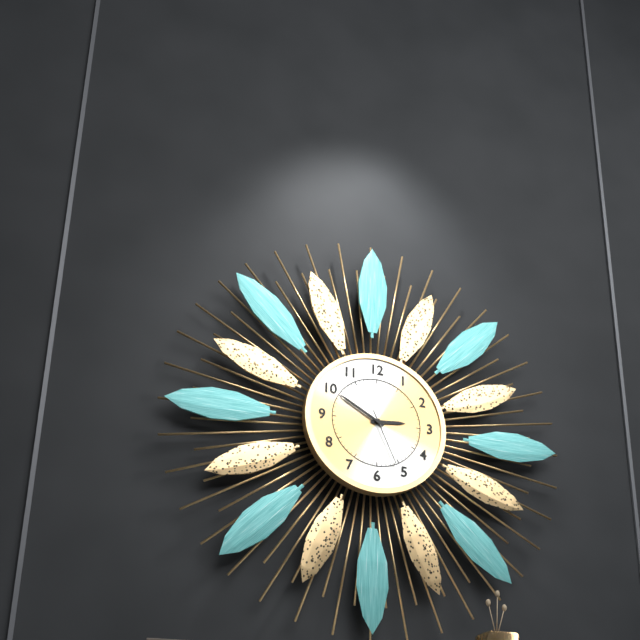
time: **2:50:26**
